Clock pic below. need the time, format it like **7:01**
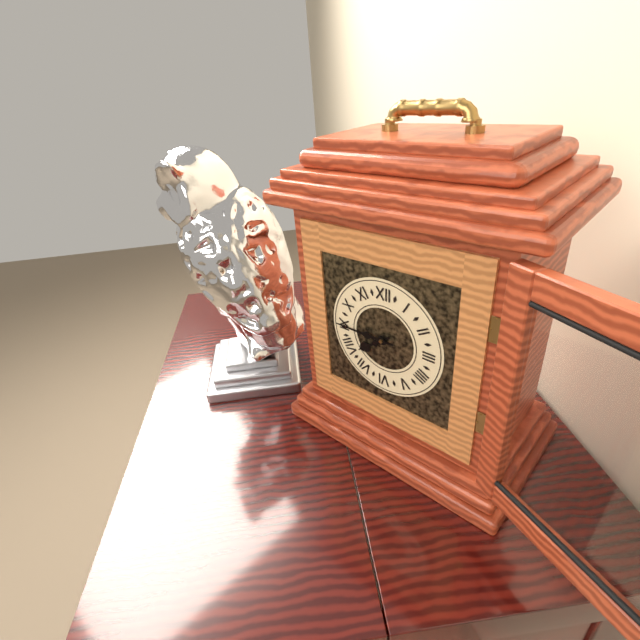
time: **7:45**
